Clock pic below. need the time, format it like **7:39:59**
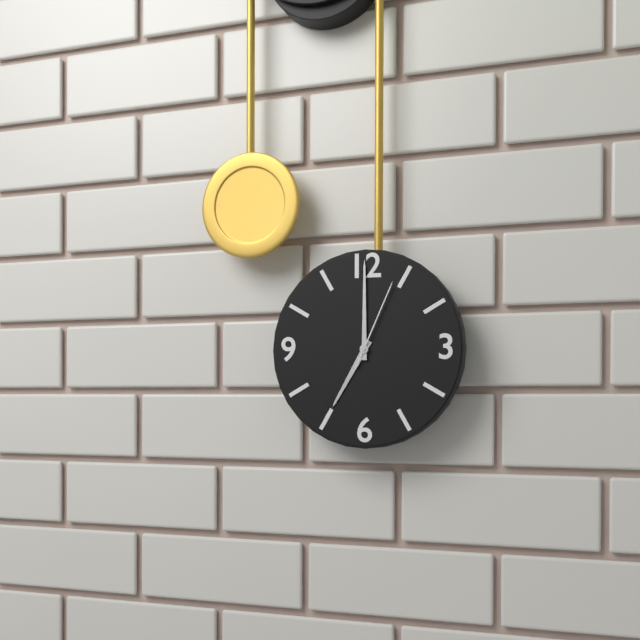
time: **7:00:04**
